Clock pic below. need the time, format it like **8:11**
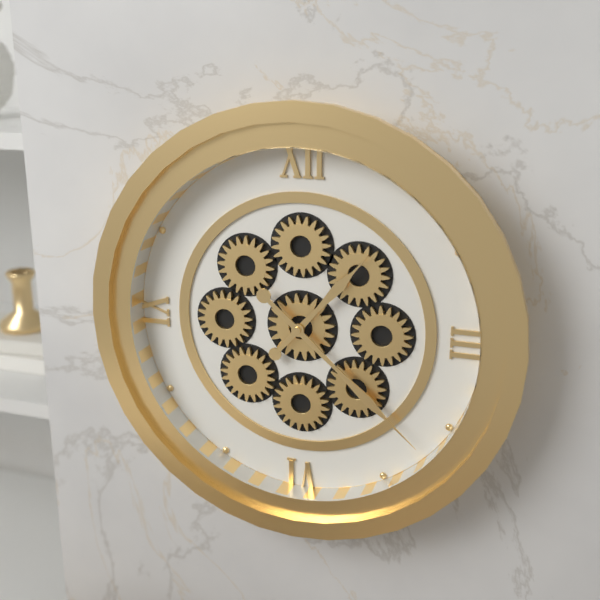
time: **1:22**
